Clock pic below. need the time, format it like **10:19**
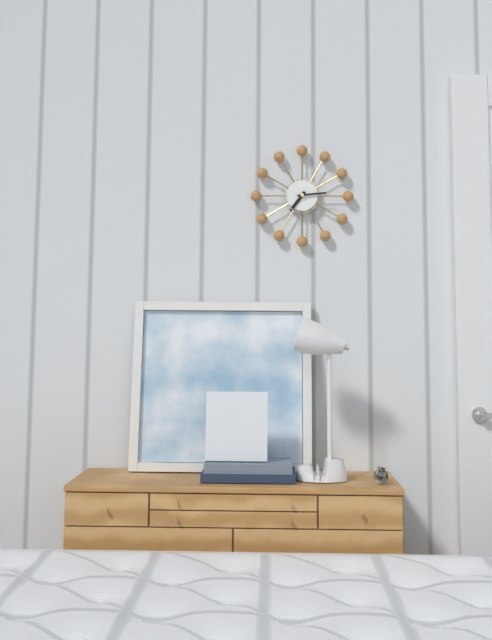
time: **7:14**
